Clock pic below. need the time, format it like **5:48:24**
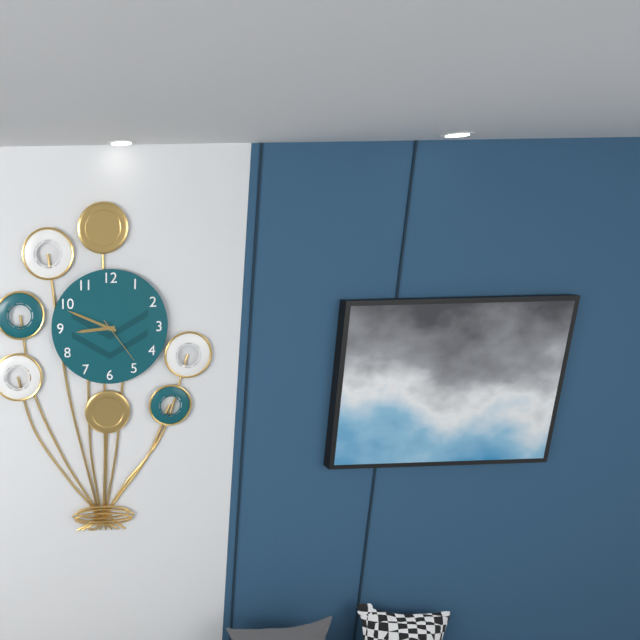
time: **8:49:24**
